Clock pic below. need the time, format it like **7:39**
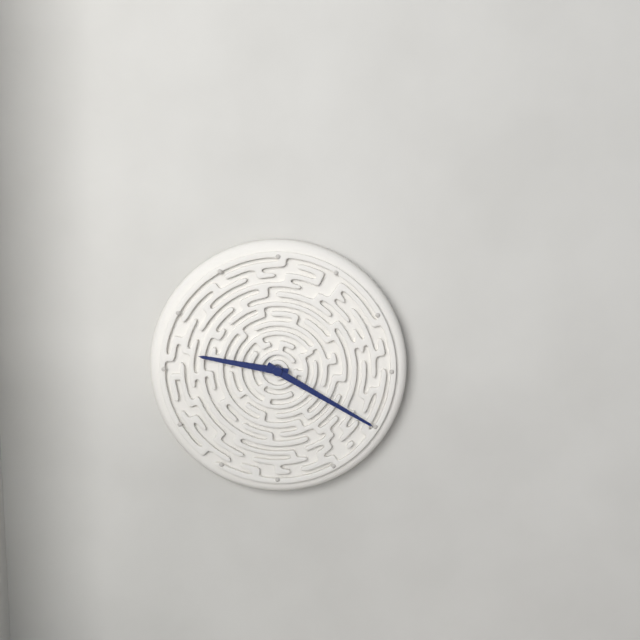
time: **9:20**
